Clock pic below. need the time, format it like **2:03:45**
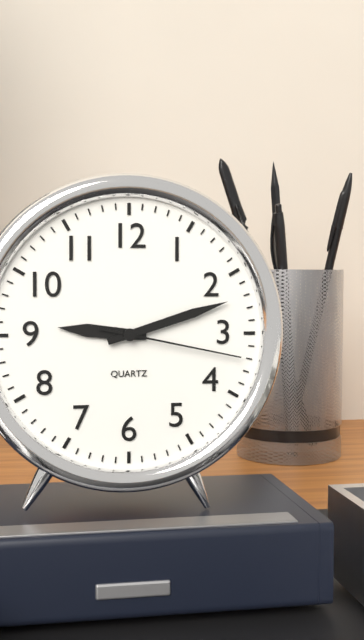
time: **9:12:17**
